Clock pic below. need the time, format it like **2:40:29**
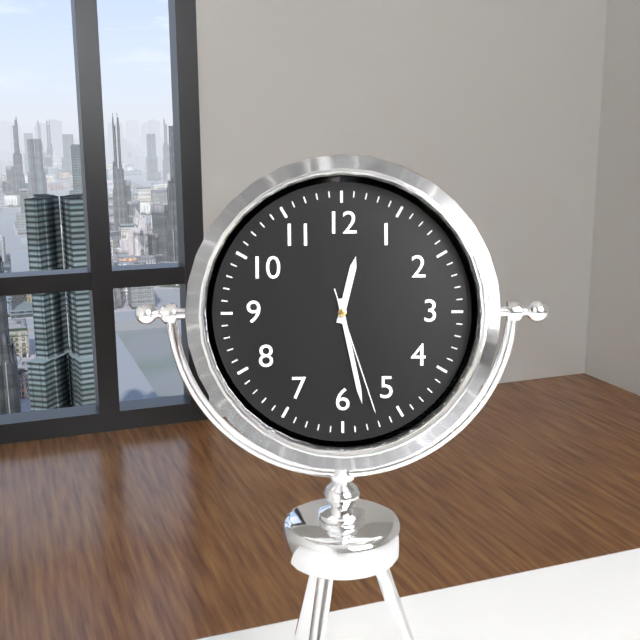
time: **12:28:27**
